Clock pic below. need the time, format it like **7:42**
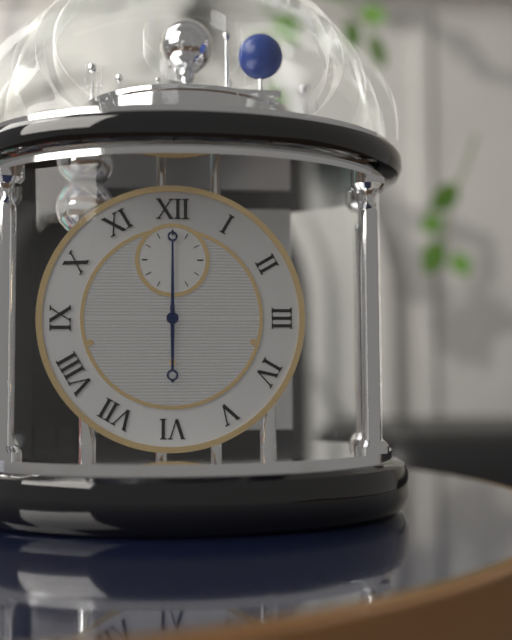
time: **6:00**
